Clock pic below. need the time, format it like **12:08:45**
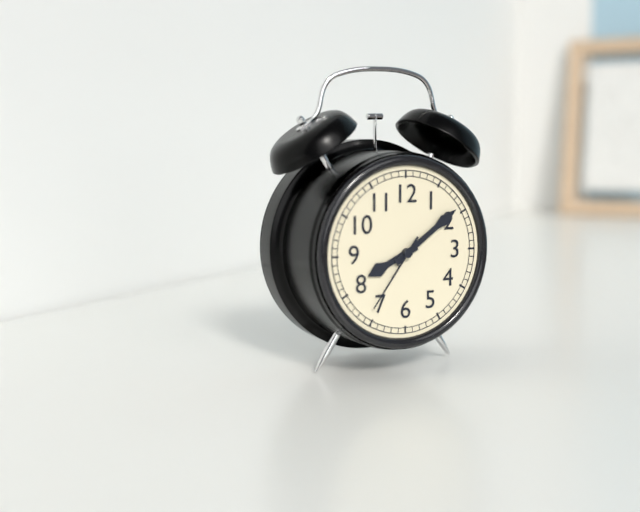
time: **8:09:36**
